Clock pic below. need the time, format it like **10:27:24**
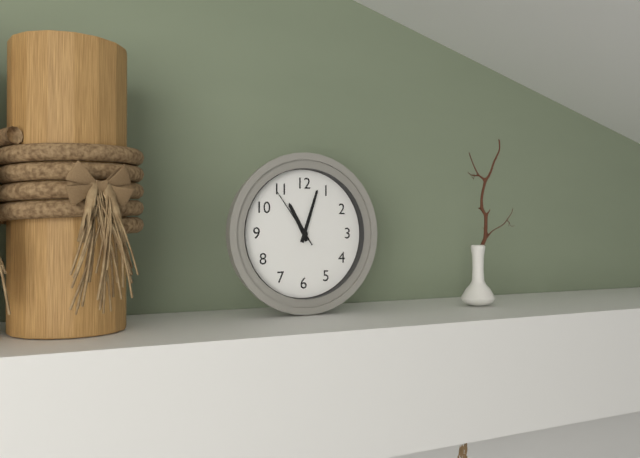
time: **11:03:54**
